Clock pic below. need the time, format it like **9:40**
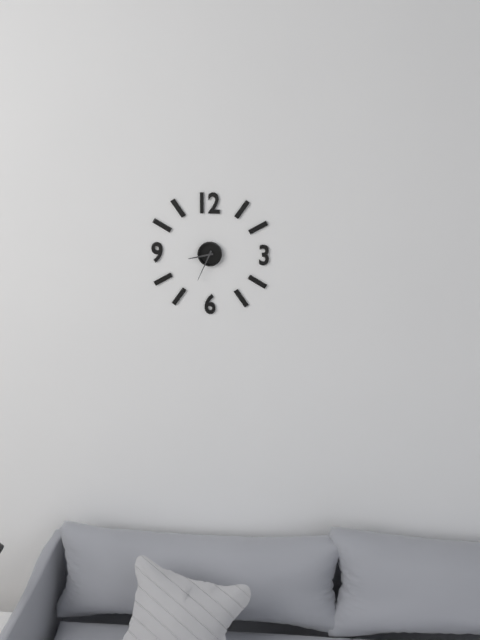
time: **8:34**
